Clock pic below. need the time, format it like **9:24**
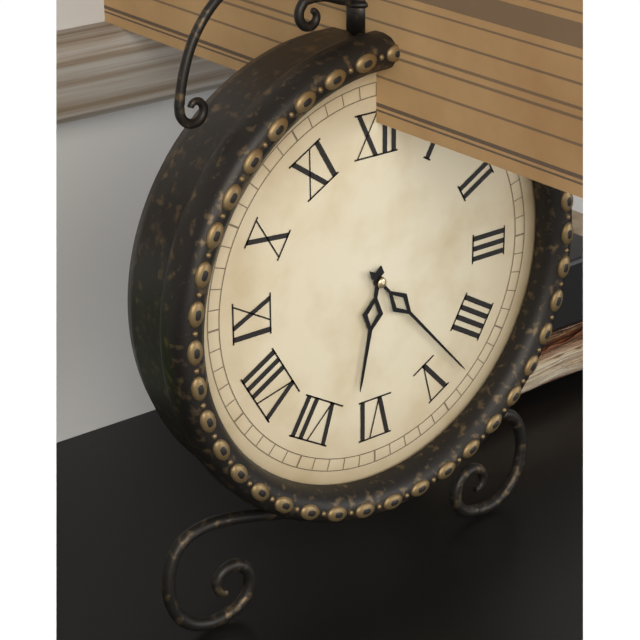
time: **6:23**
